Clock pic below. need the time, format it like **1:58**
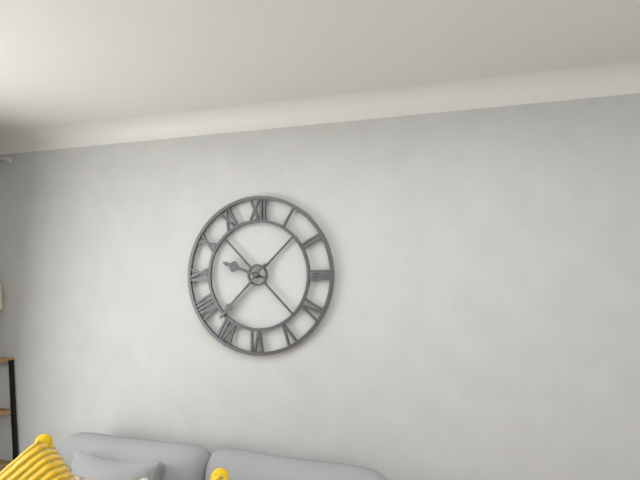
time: **9:37**
